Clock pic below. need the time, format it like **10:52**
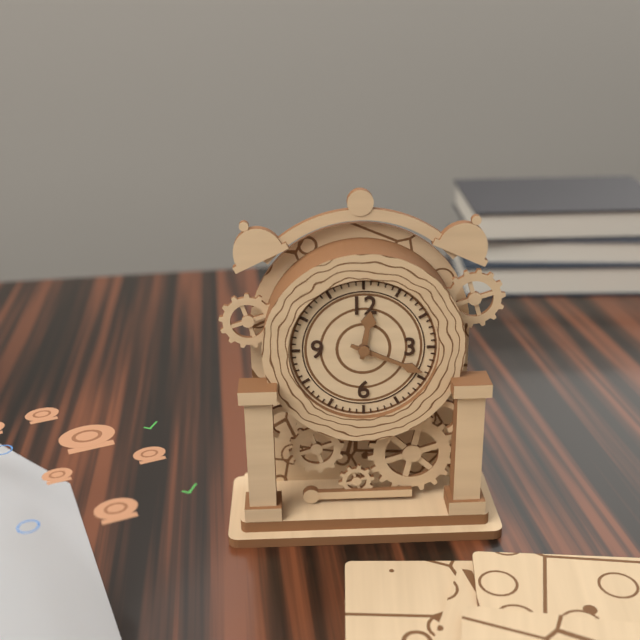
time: **12:19**
